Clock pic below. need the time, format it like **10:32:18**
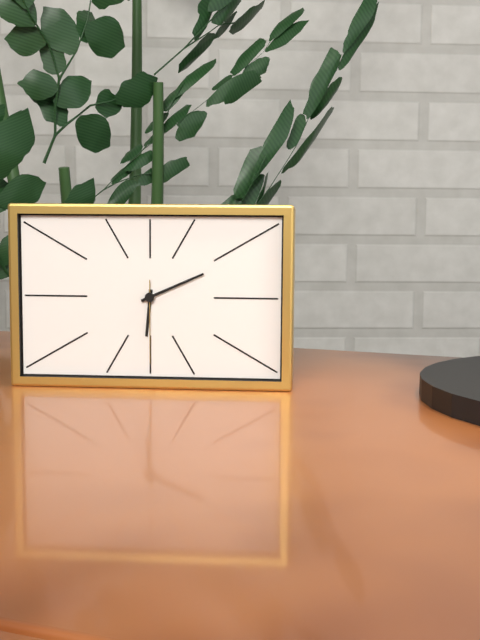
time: **6:11:30**
